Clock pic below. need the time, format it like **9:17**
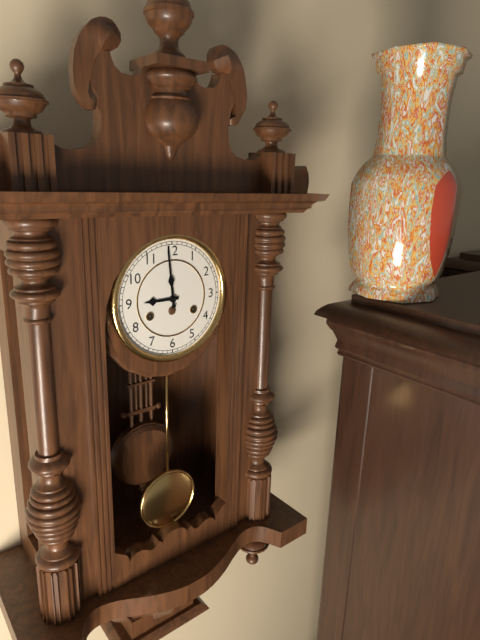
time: **8:59**
